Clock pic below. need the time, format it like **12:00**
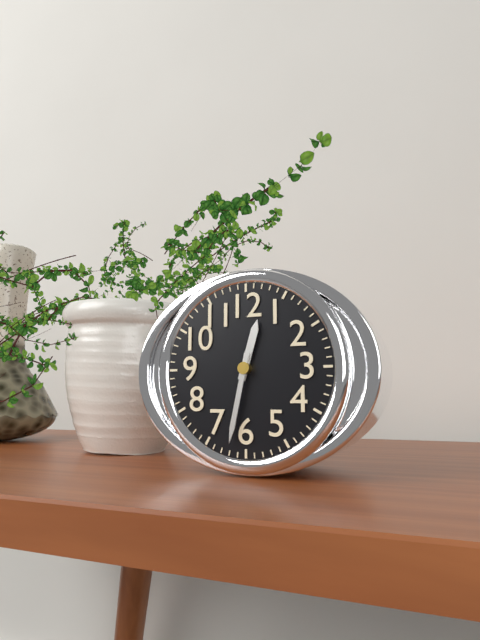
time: **12:32**
